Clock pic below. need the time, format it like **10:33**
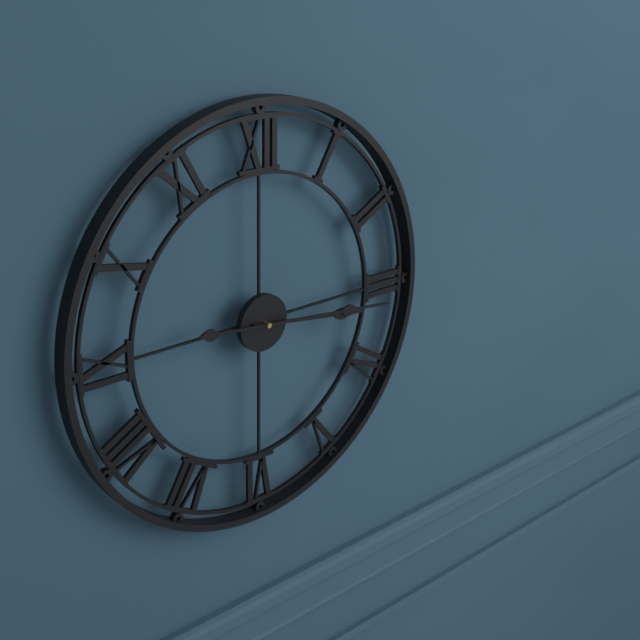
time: **3:16**
